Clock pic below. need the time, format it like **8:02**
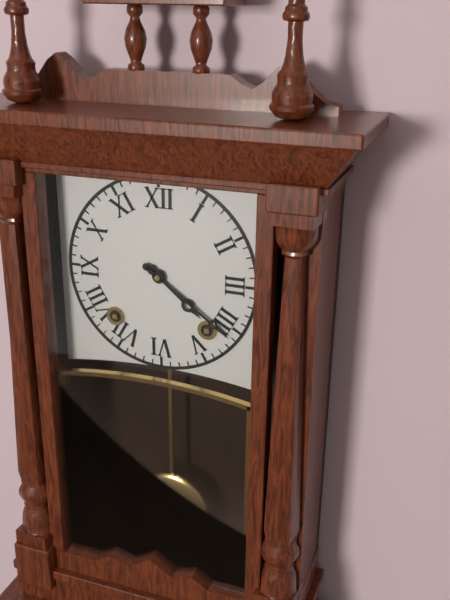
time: **4:21**
